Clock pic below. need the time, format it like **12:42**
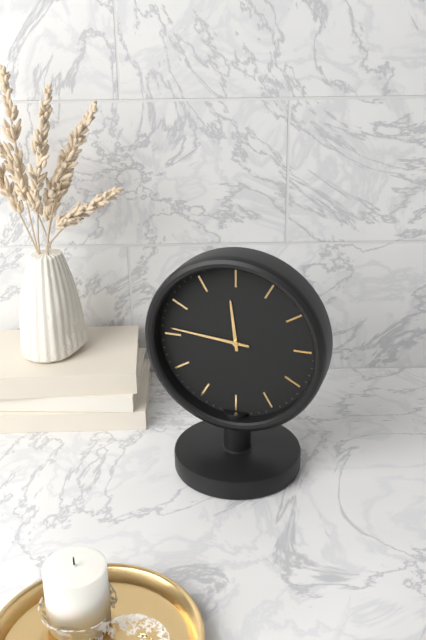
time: **11:46**
